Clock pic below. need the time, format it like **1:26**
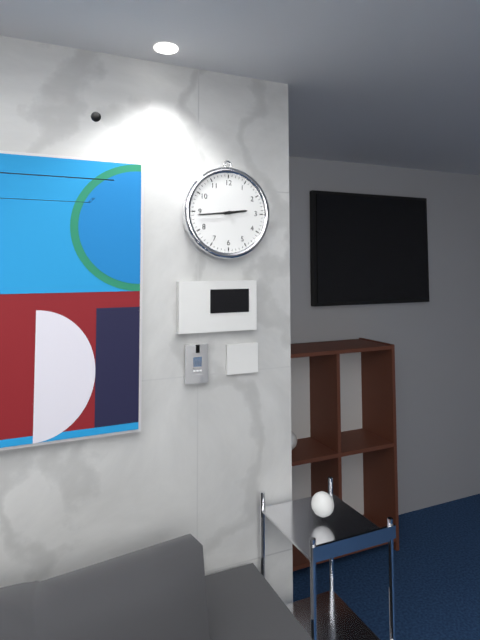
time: **2:44**
